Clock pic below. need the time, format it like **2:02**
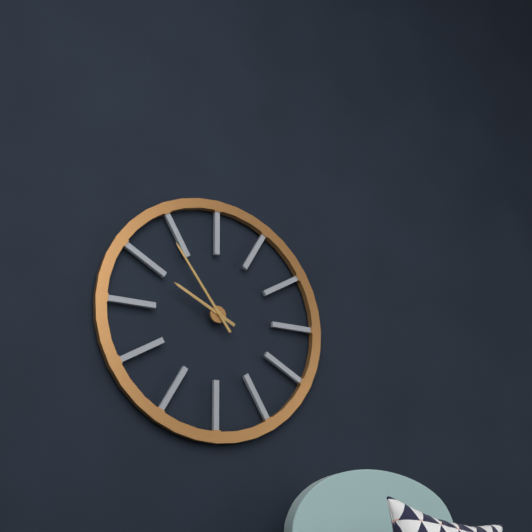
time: **9:54**
